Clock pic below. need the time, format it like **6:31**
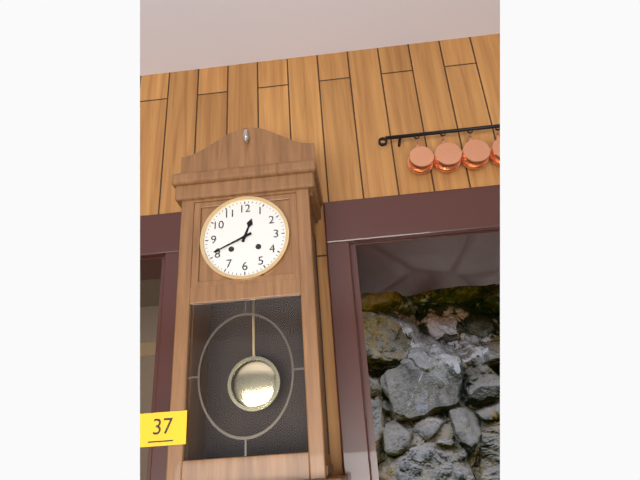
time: **12:41**
